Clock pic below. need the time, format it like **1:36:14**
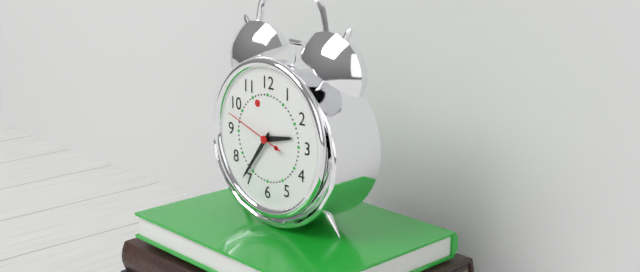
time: **2:36:48**
